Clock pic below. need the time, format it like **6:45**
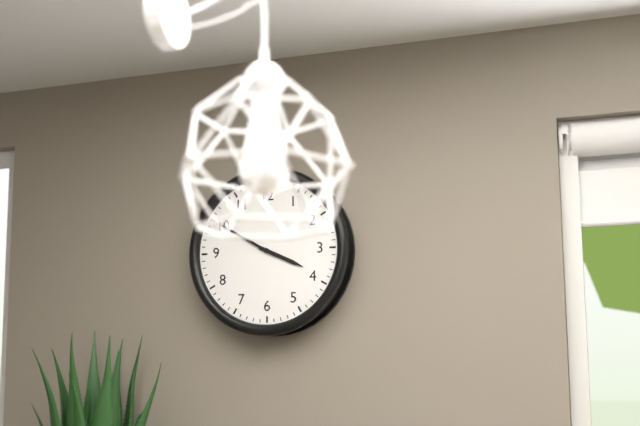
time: **3:50**
